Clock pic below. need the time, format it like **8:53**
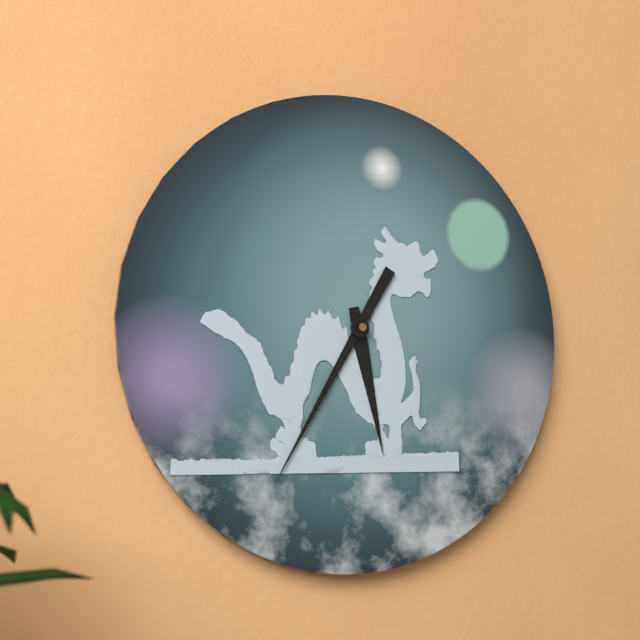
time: **5:35**
